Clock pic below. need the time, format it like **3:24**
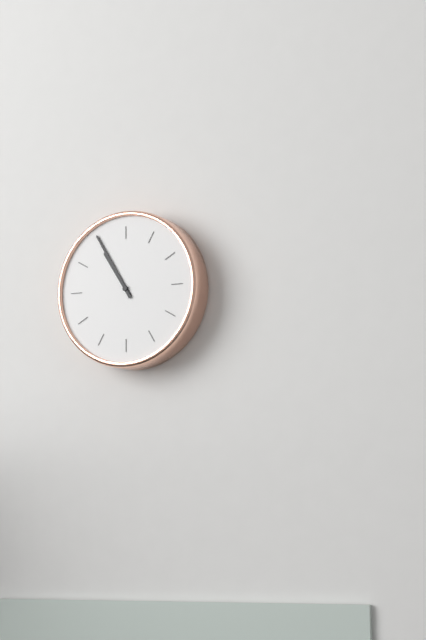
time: **10:55**
